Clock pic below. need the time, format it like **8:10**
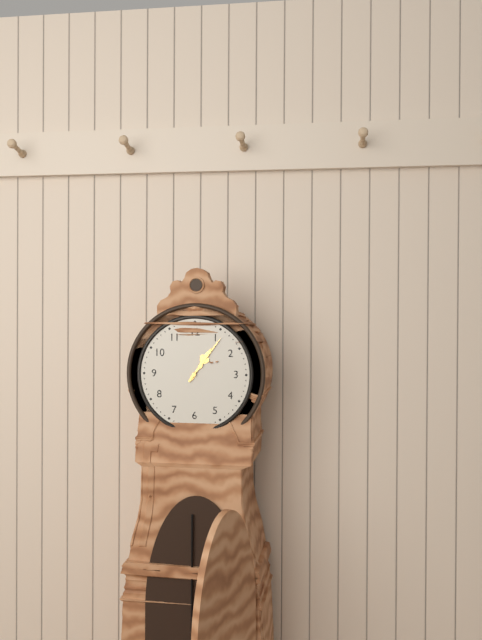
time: **1:06**
